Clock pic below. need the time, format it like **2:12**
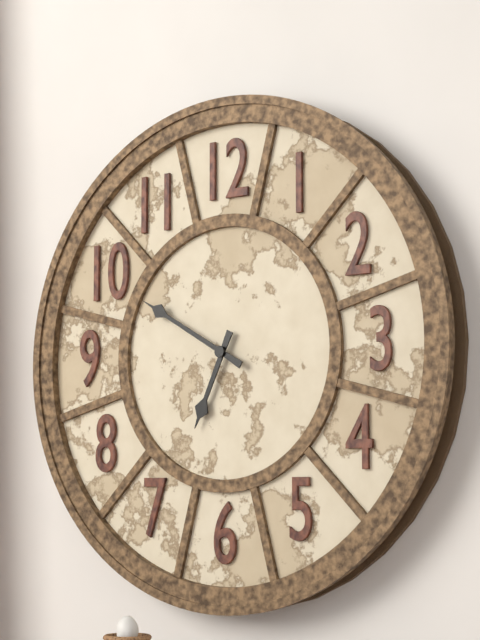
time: **6:50**
